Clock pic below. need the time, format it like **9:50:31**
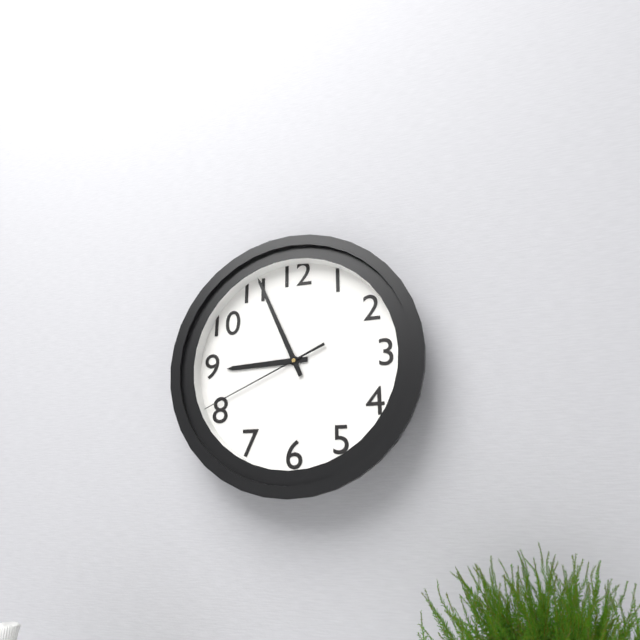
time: **8:56:41**
